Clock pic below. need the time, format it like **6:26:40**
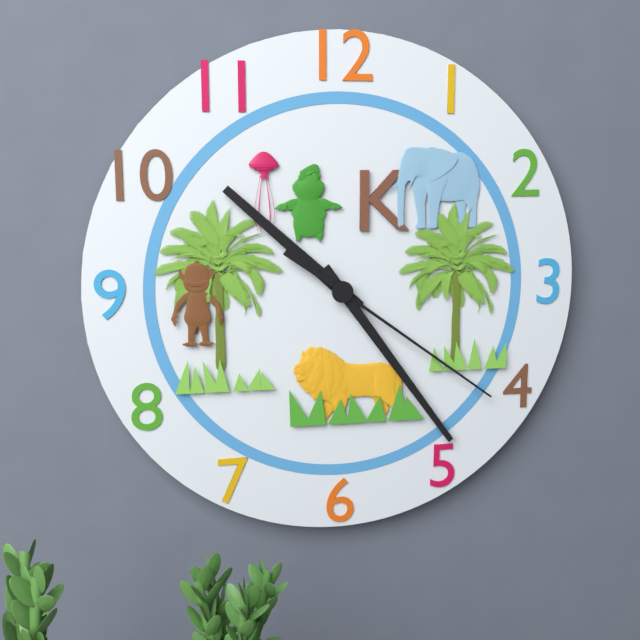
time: **10:24:21**
